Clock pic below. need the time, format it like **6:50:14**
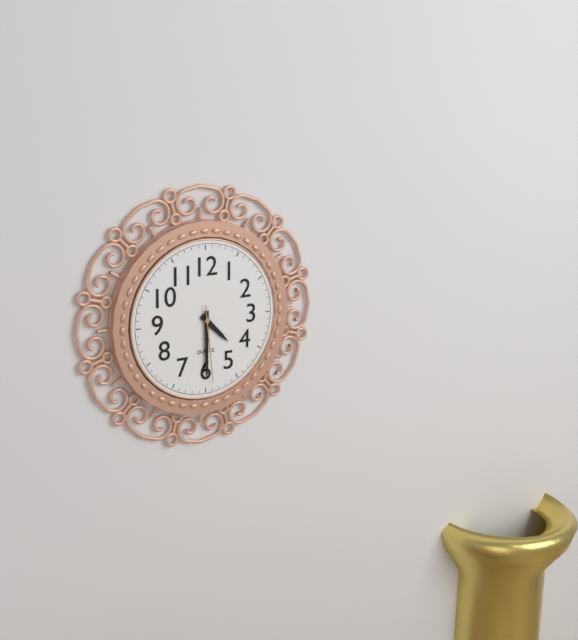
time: **4:30:29**
